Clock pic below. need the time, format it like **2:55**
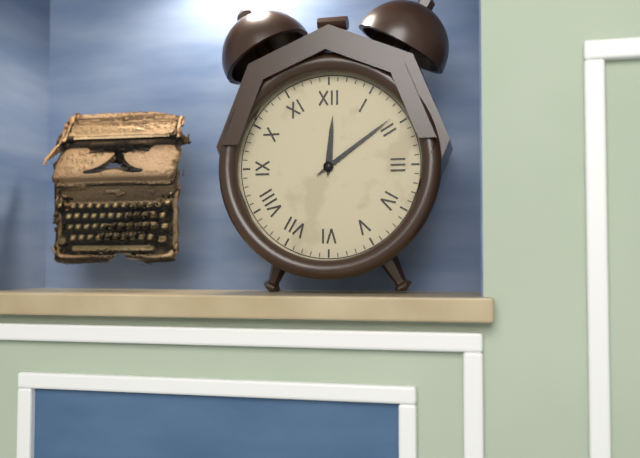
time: **12:09**
